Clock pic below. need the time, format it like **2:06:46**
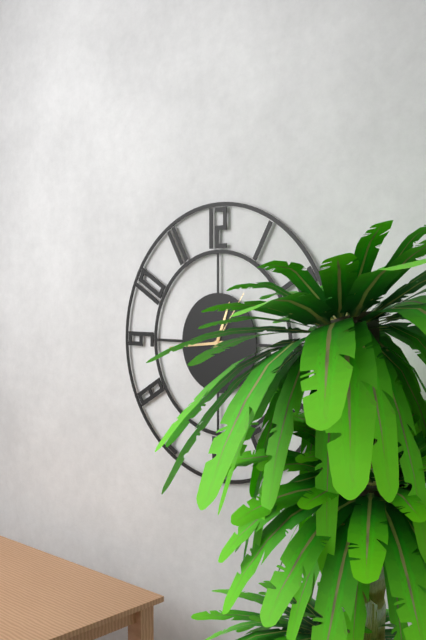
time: **12:44:06**
